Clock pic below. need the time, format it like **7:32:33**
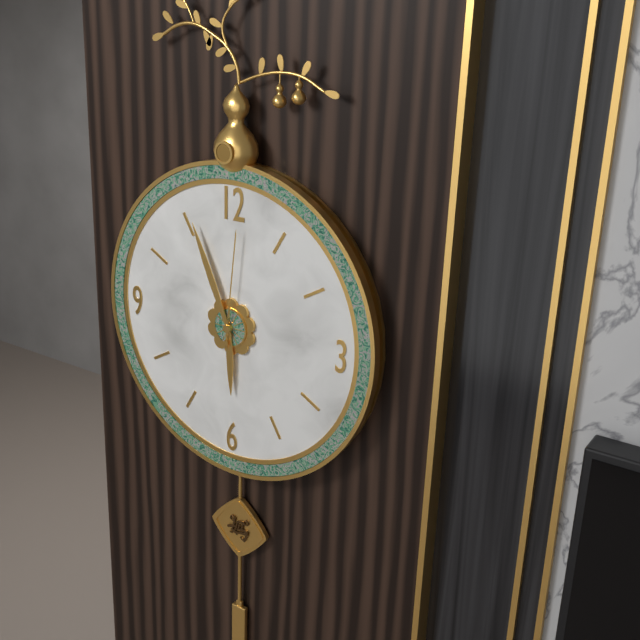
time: **5:56:01**
